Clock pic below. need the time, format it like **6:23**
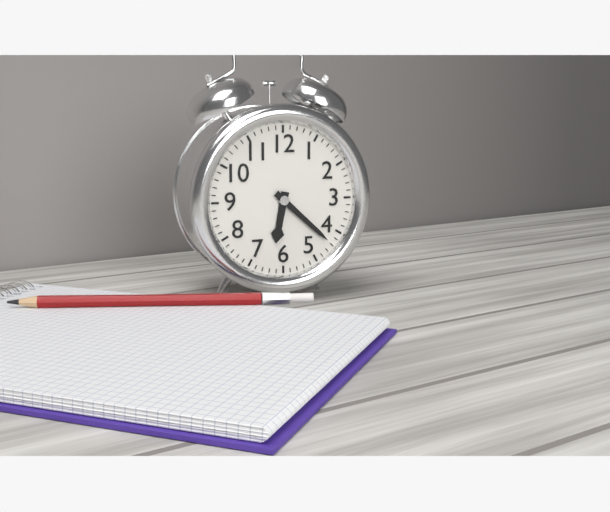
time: **6:22**
